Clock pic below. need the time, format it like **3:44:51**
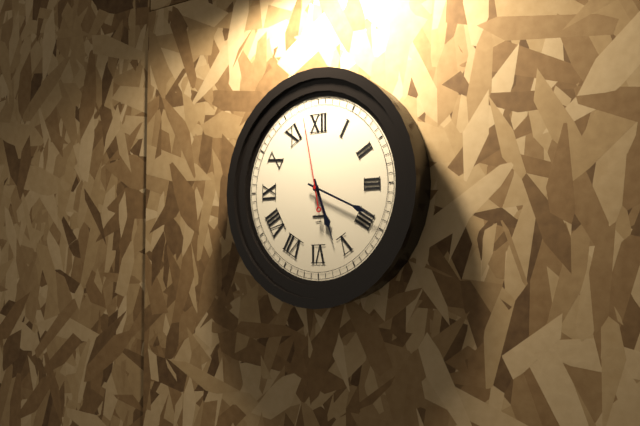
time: **5:19:58**
